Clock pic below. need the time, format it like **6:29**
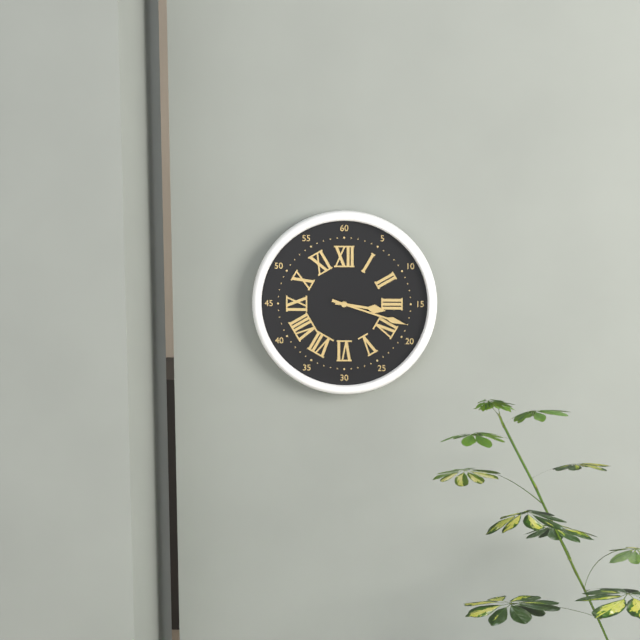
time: **3:18**
